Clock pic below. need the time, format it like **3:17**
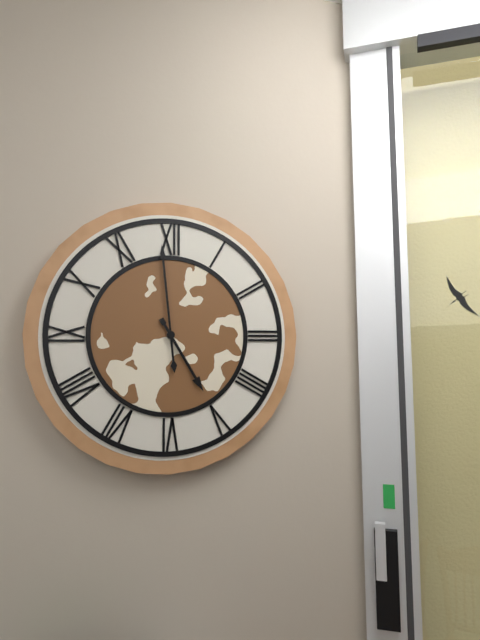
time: **4:59**
